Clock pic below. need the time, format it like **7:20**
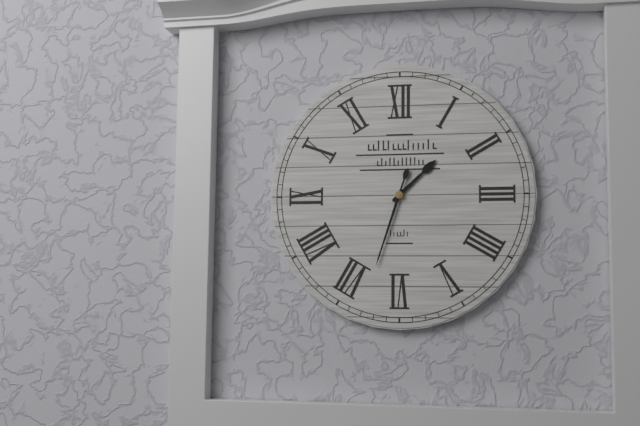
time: **1:33**
